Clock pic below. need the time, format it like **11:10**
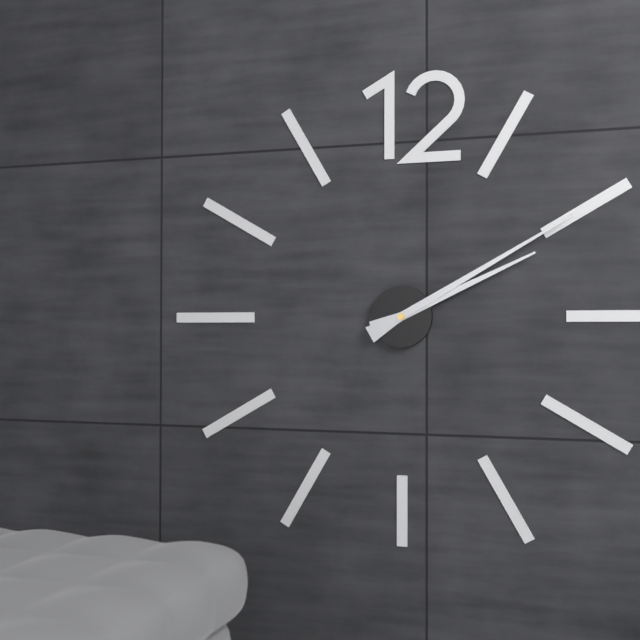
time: **2:10**
